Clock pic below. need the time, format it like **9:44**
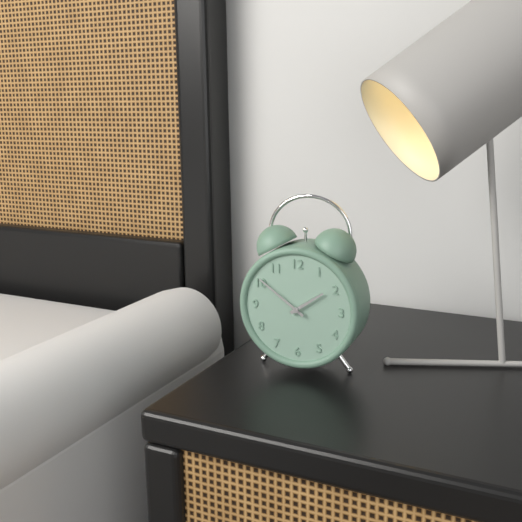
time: **1:51**
